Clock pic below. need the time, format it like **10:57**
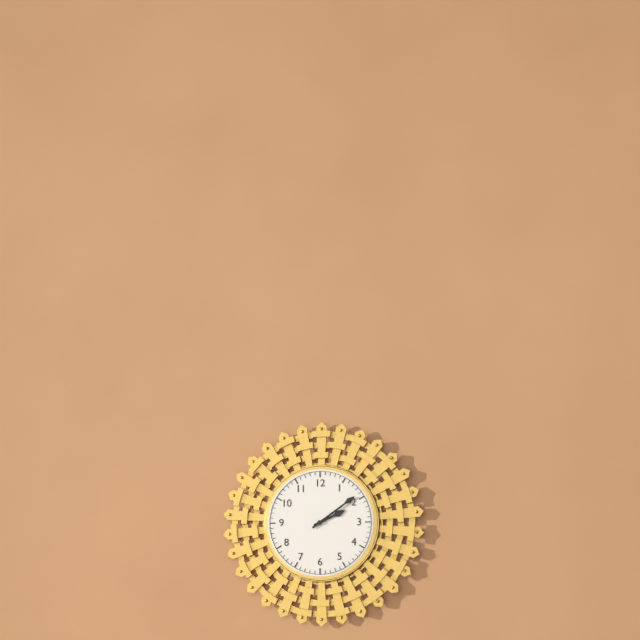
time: **2:09**
